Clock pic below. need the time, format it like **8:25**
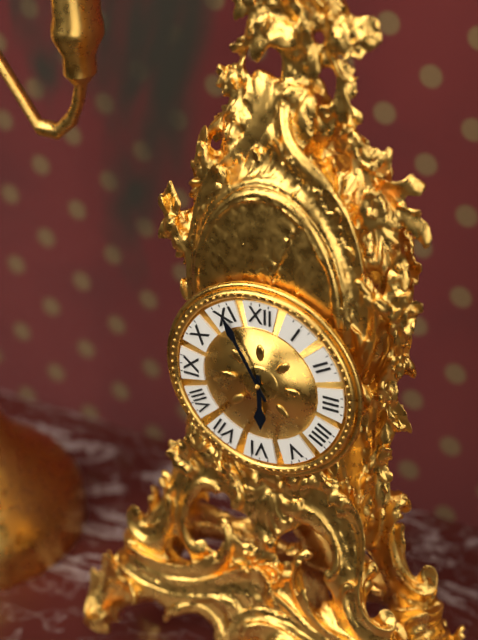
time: **5:55**
